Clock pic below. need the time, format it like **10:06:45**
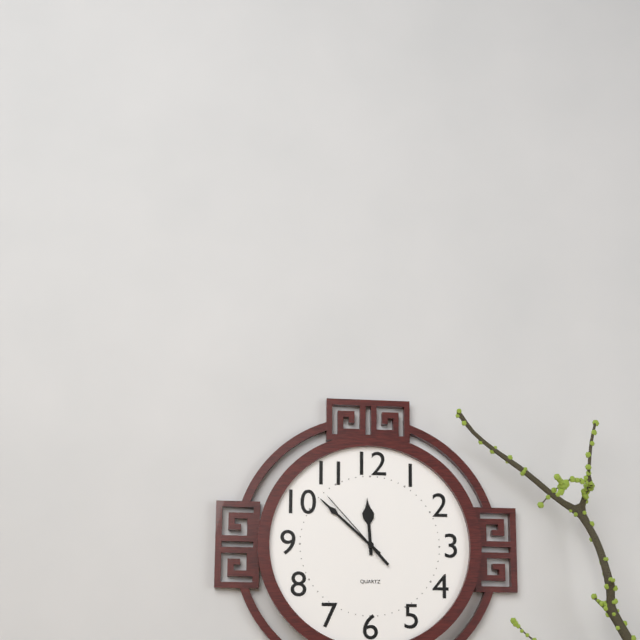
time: **11:52:53**
